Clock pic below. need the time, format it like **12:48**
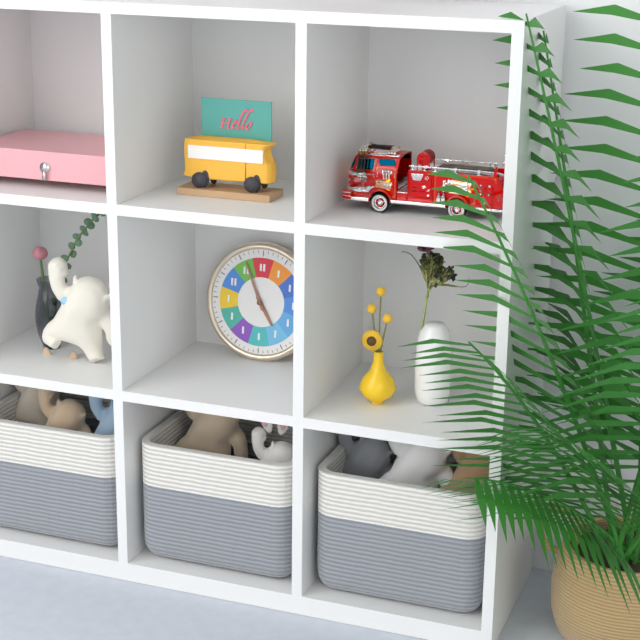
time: **4:56**
